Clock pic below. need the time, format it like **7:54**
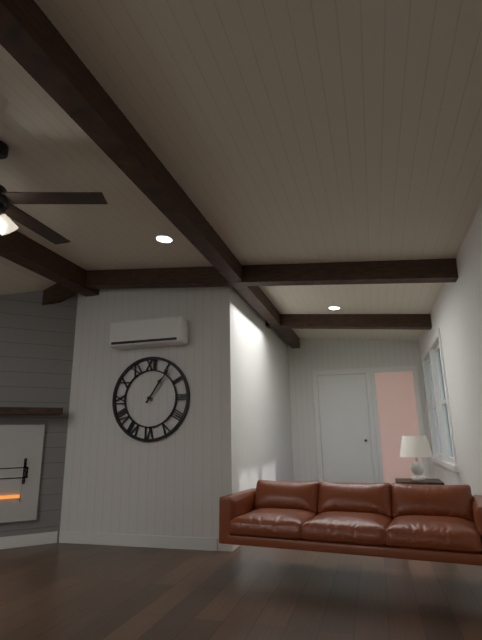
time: **1:06**
